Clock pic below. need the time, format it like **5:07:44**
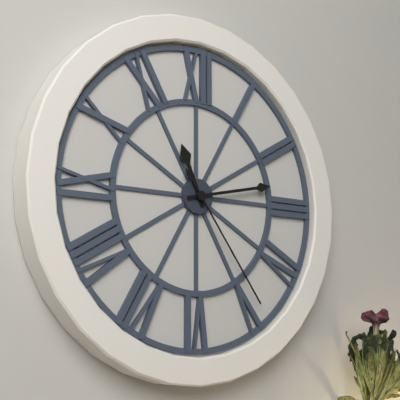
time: **11:13:24**
